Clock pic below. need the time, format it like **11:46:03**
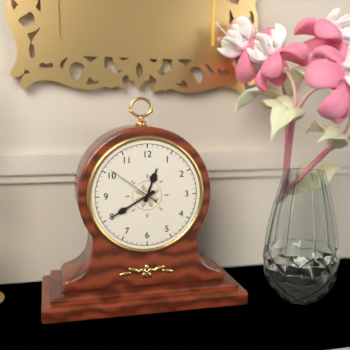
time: **12:40:51**
